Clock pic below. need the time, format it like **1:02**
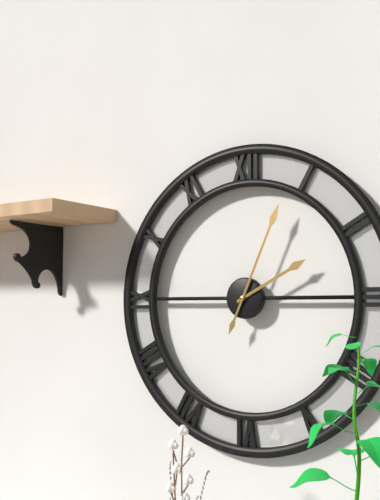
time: **2:04**
